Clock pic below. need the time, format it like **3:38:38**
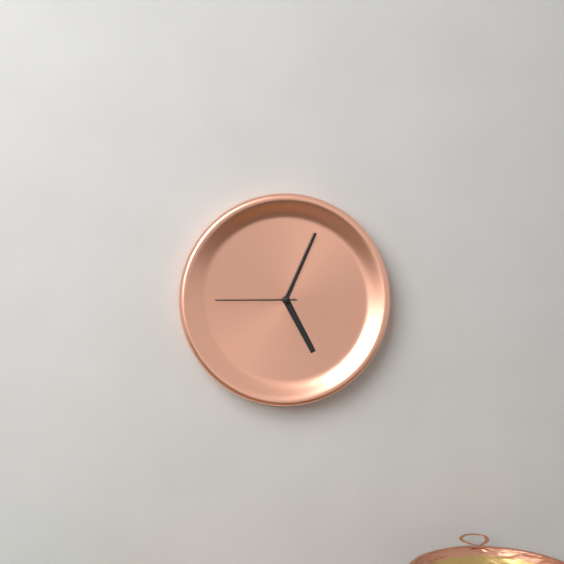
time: **5:04:45**
